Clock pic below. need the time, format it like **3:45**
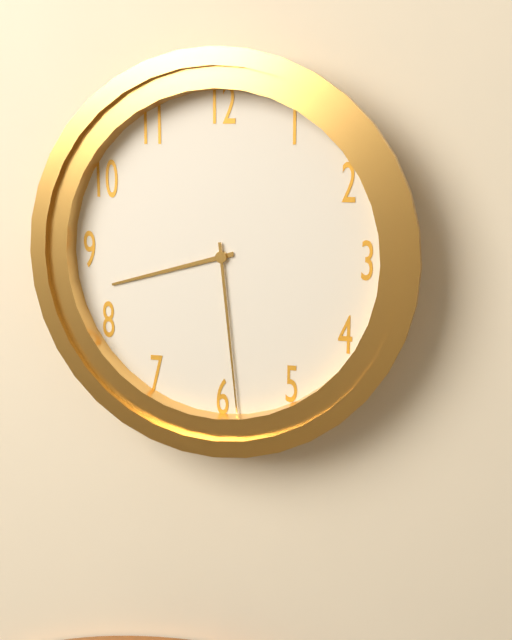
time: **8:29**
